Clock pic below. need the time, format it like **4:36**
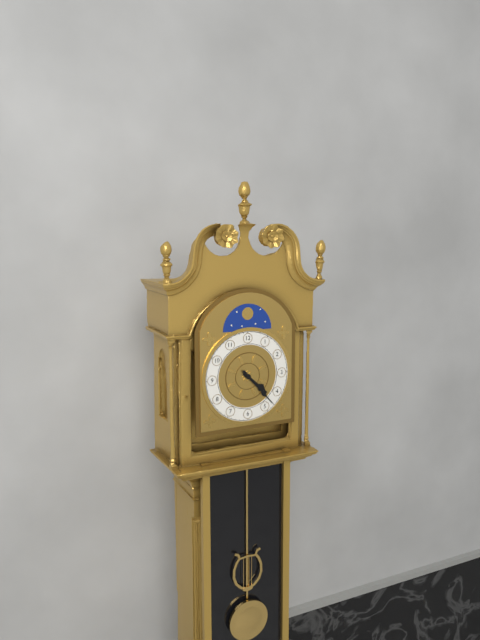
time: **4:23**
